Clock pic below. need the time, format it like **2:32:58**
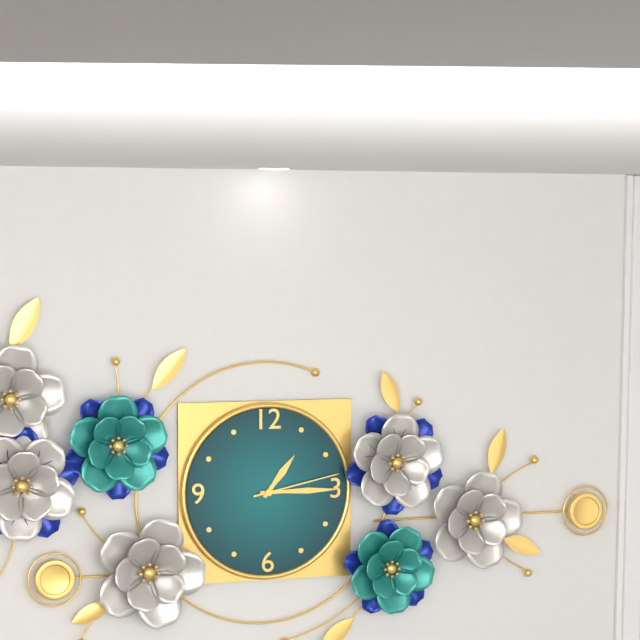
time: **1:15:13**
